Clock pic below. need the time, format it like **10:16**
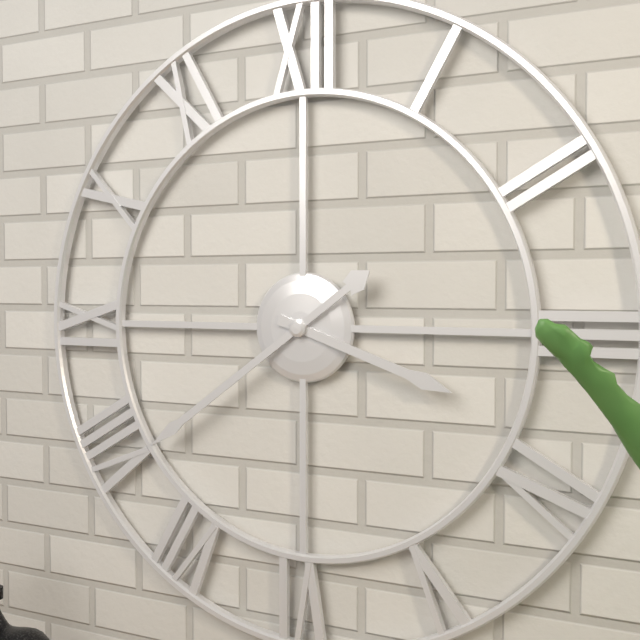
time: **3:39**
